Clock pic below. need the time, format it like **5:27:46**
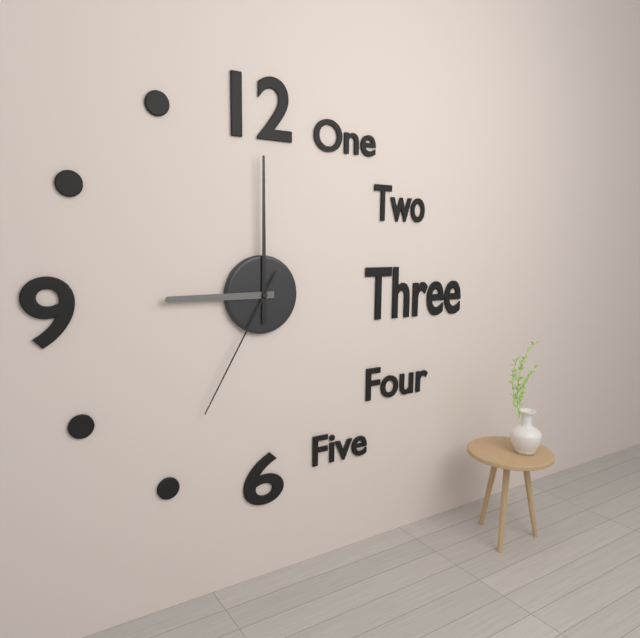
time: **9:00:35**
